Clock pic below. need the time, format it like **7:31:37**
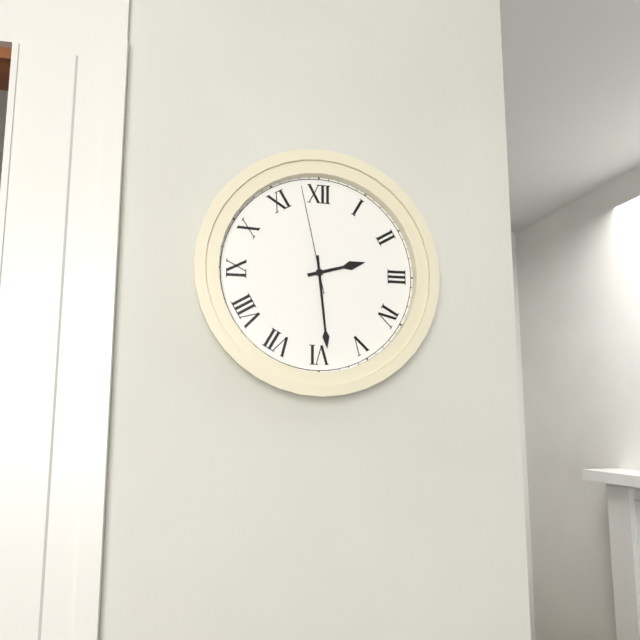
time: **2:29:58**
